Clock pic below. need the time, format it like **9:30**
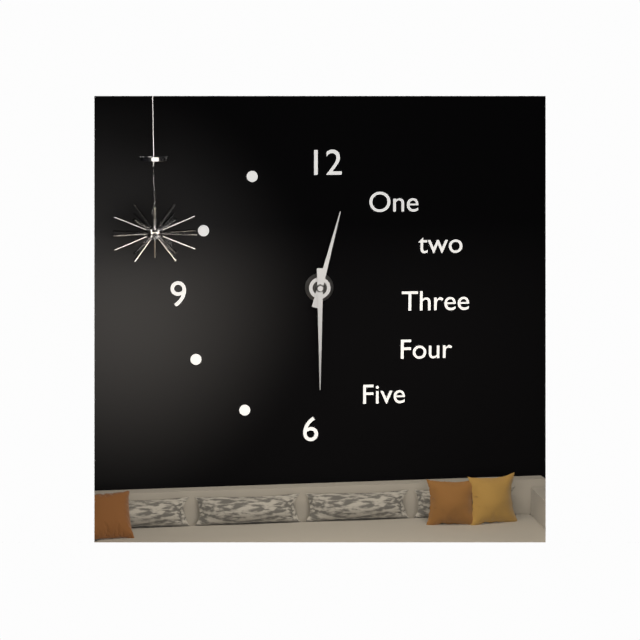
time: **12:30**
